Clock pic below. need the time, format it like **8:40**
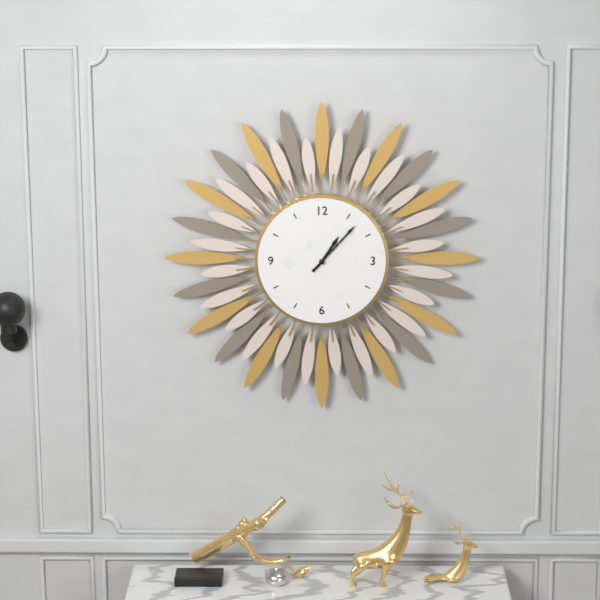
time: **1:07**
